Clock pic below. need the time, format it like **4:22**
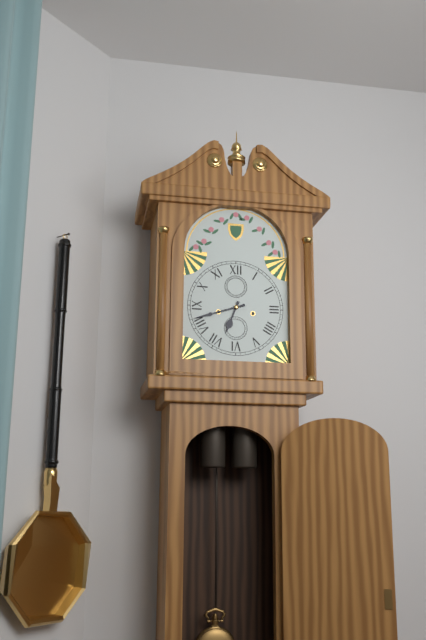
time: **6:42**
